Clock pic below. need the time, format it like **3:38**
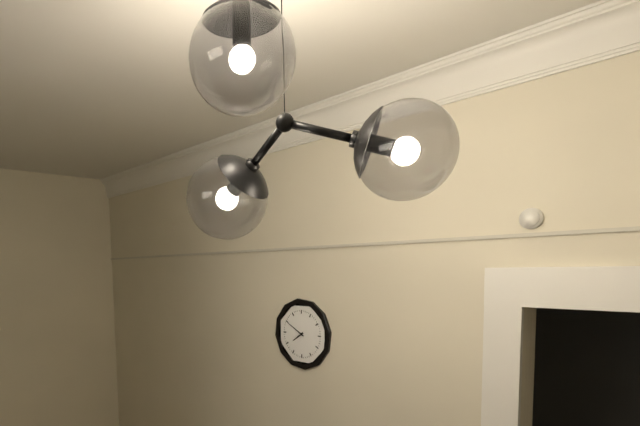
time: **7:50**
